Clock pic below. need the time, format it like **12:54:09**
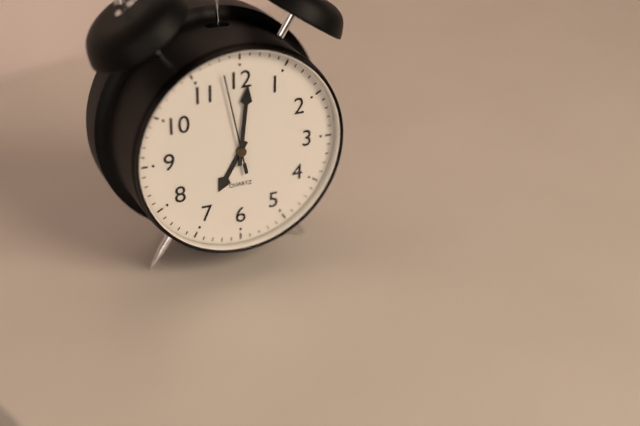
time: **7:01:58**
